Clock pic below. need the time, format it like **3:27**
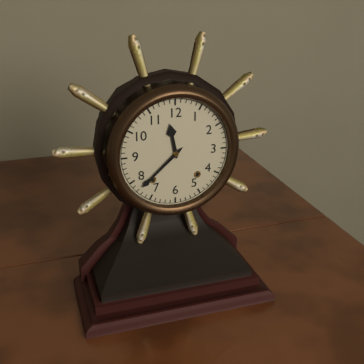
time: **11:38**
